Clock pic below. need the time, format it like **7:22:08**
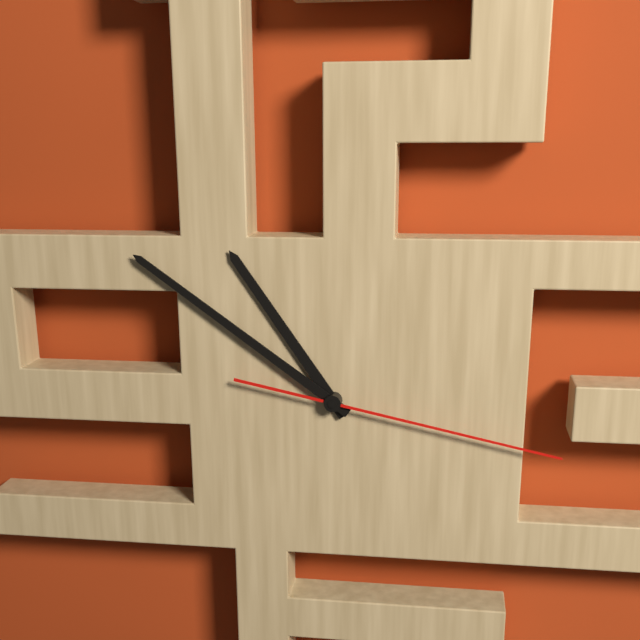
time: **10:51:17**
